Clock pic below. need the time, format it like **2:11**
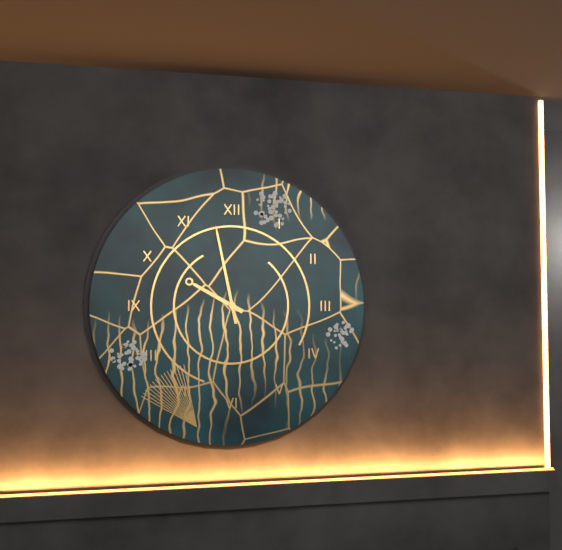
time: **9:58**
